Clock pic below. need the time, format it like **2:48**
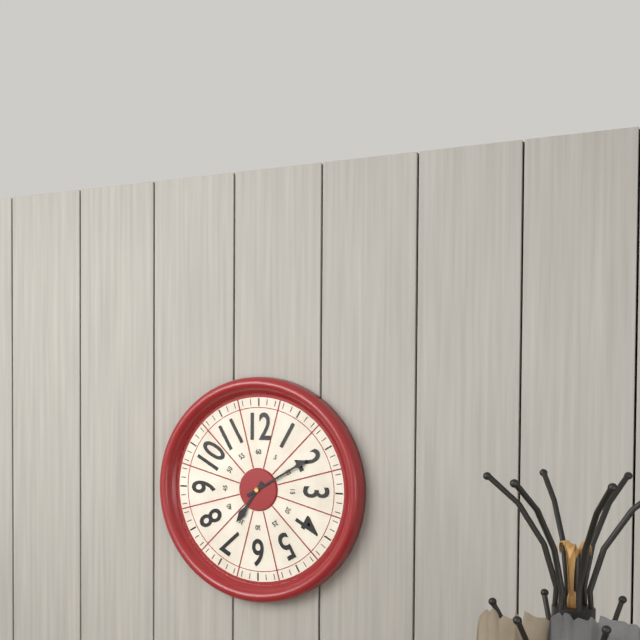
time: **7:10**
